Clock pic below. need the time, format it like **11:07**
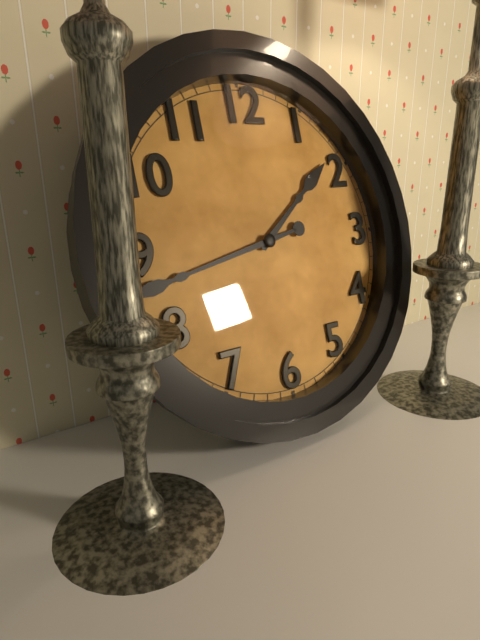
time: **1:43**
